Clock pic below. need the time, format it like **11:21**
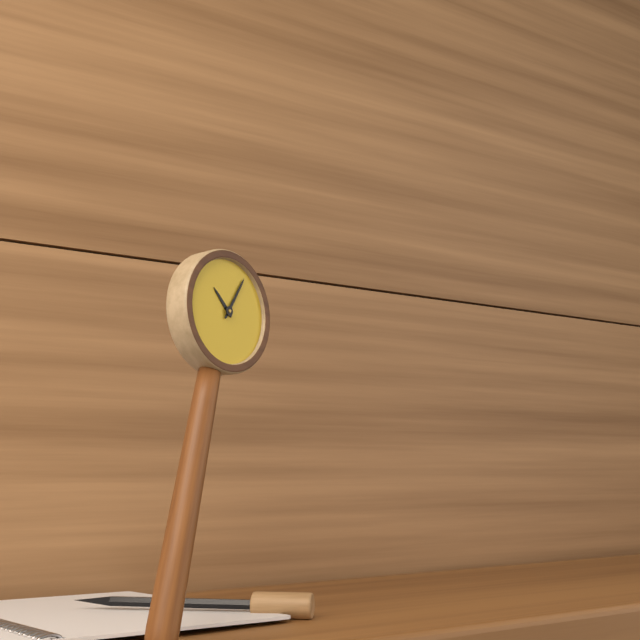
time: **10:03**
